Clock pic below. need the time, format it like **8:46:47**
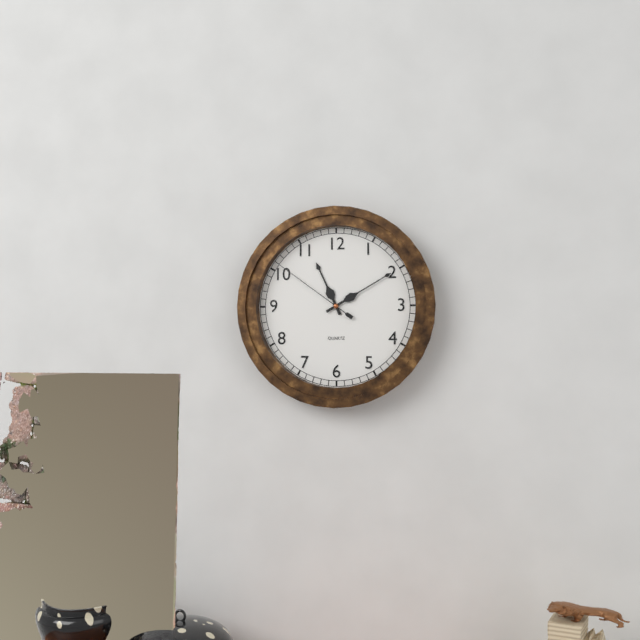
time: **11:10:51**
